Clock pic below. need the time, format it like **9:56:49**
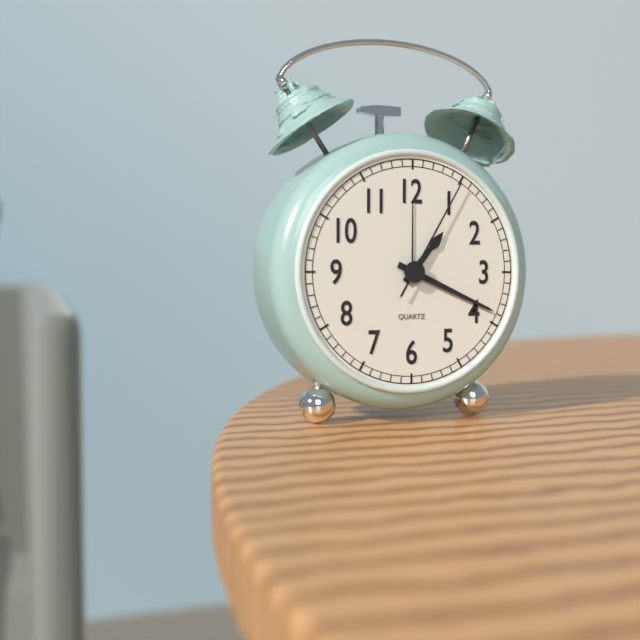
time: **1:19:05**
